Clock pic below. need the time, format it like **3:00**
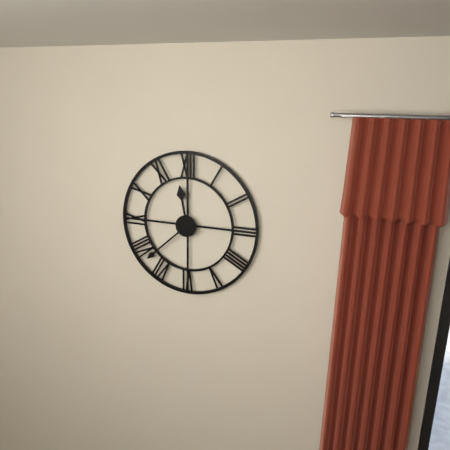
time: **11:38**
